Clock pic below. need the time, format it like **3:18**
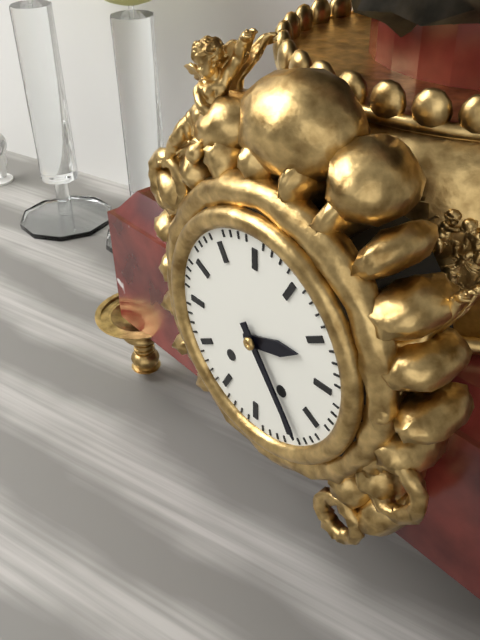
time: **2:24**
